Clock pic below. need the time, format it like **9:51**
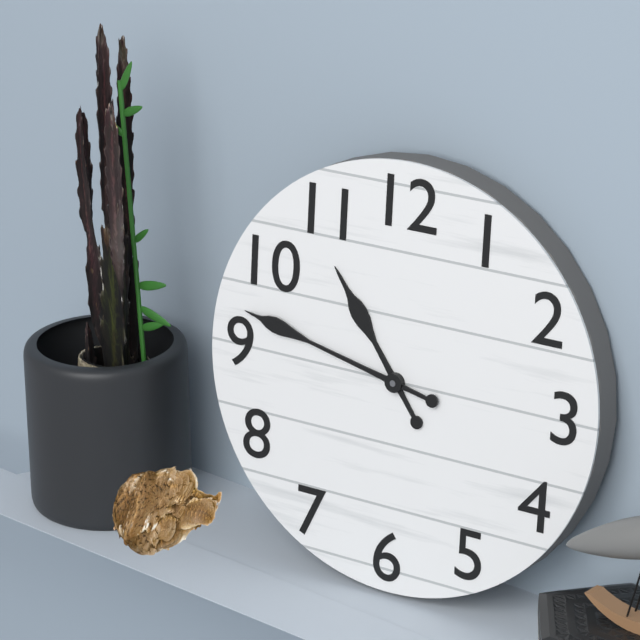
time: **10:47**
